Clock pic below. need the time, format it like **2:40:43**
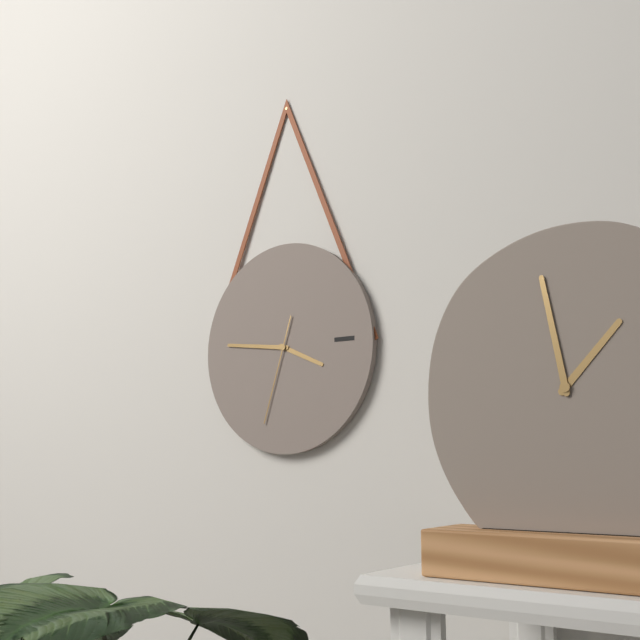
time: **3:46:33**
